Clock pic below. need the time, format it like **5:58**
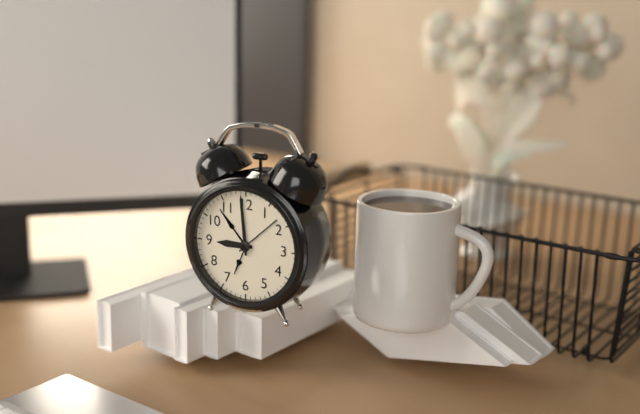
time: **8:59**
